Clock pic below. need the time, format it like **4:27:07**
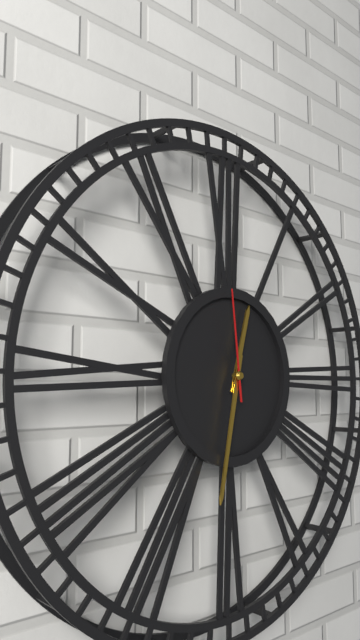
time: **12:32:59**
